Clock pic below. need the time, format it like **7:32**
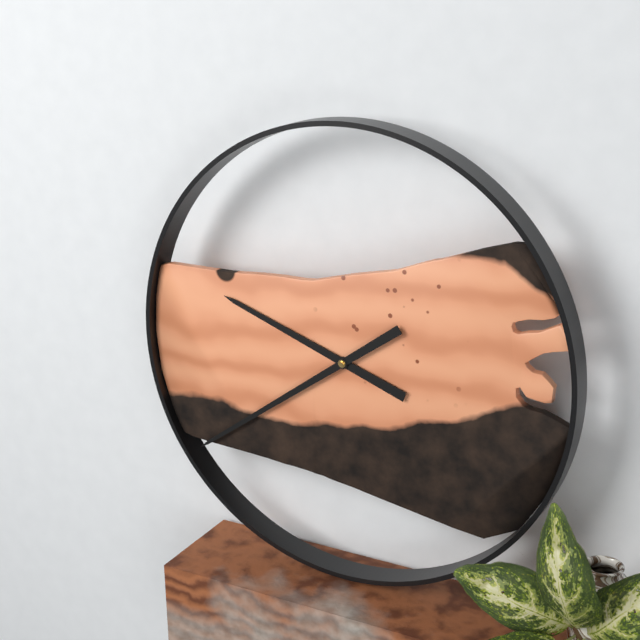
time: **9:39**
